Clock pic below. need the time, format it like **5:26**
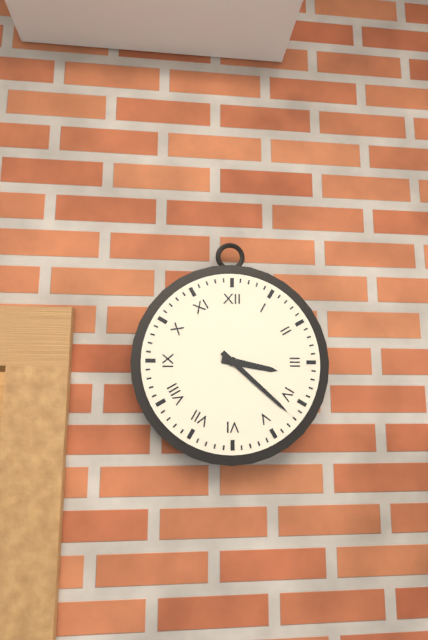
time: **3:22**
